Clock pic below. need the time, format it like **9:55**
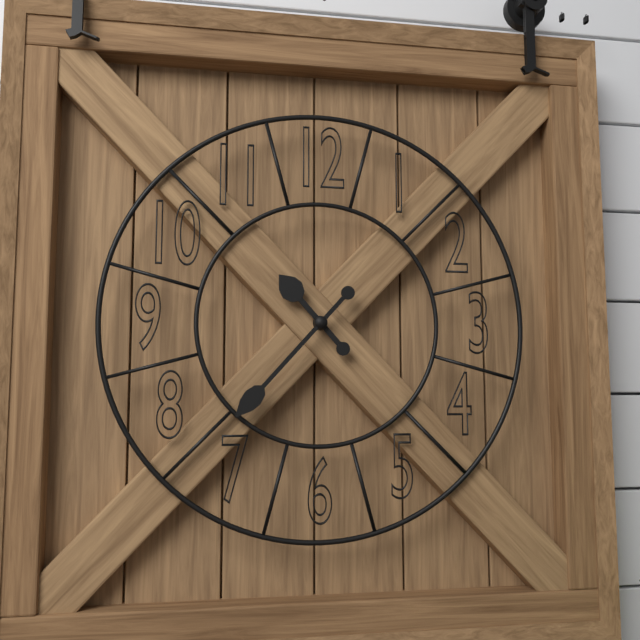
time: **10:37**
